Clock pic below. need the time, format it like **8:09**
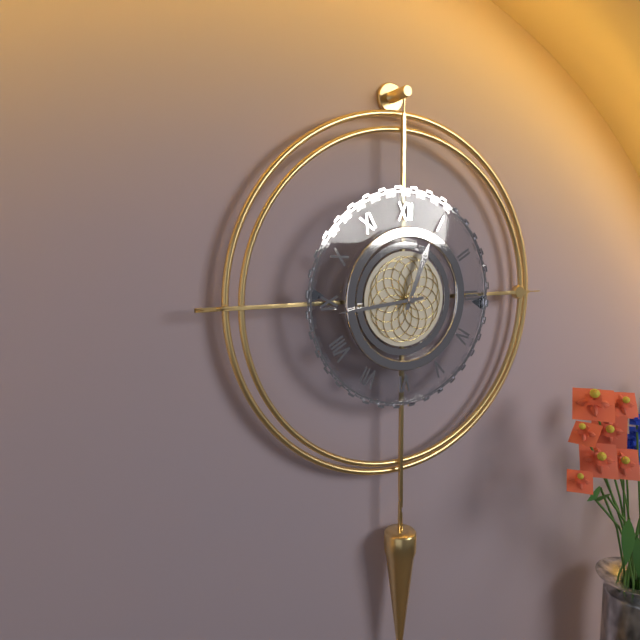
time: **12:44**
